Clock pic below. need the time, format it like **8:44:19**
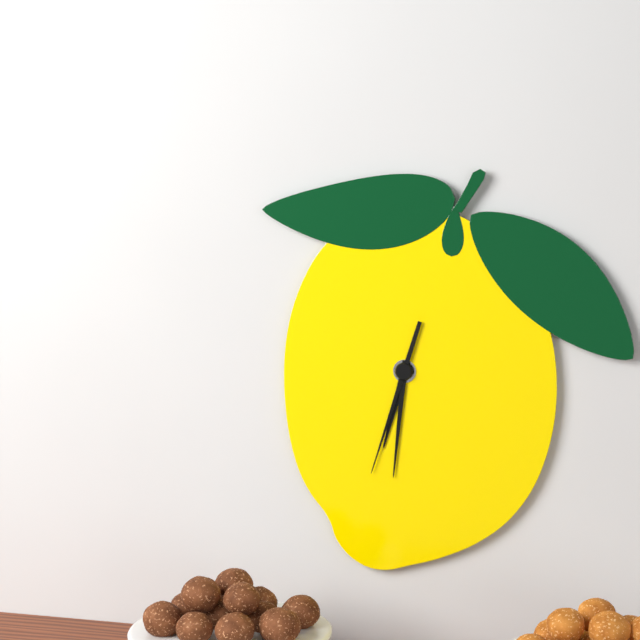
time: **6:31:33**
